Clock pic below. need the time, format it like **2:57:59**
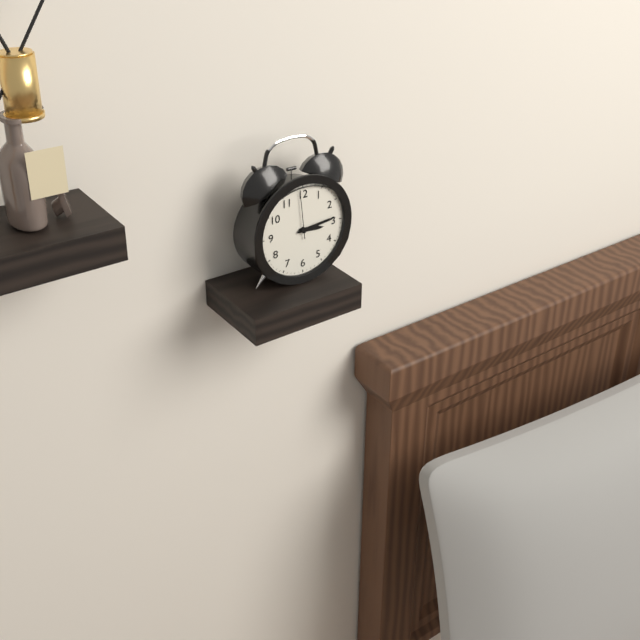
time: **3:14:59**
